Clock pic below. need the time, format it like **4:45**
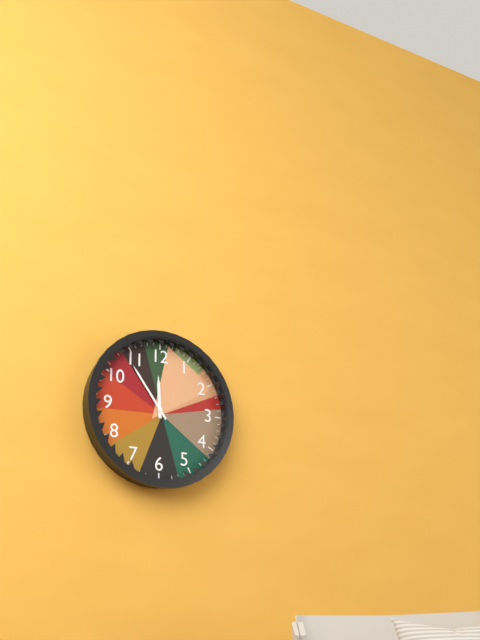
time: **11:54**
